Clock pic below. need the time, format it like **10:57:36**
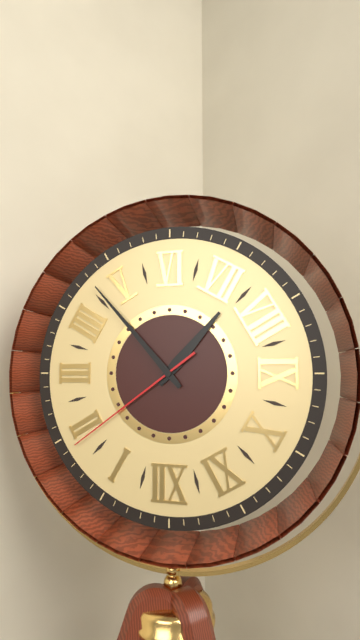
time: **7:23:09**
